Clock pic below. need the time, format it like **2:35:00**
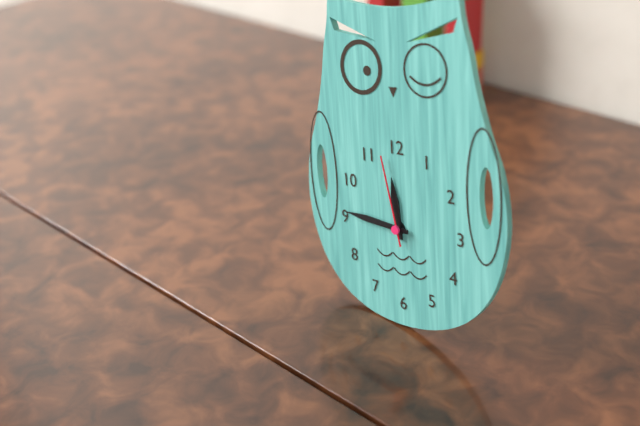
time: **11:46:58**
